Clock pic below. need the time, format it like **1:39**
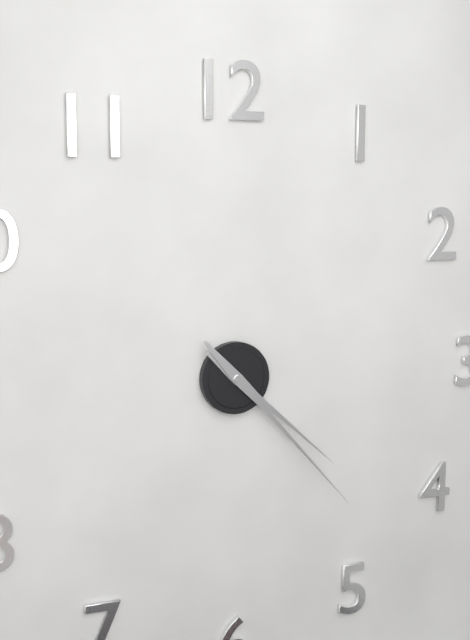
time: **4:23**
